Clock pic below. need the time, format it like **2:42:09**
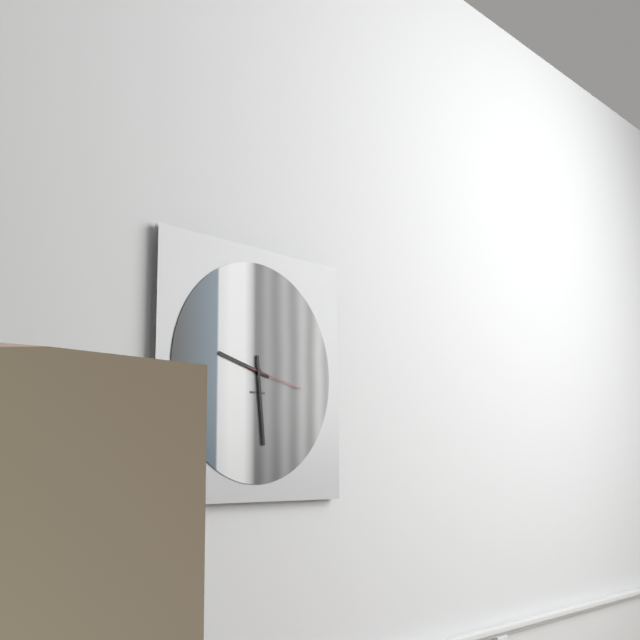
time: **9:29:17**
